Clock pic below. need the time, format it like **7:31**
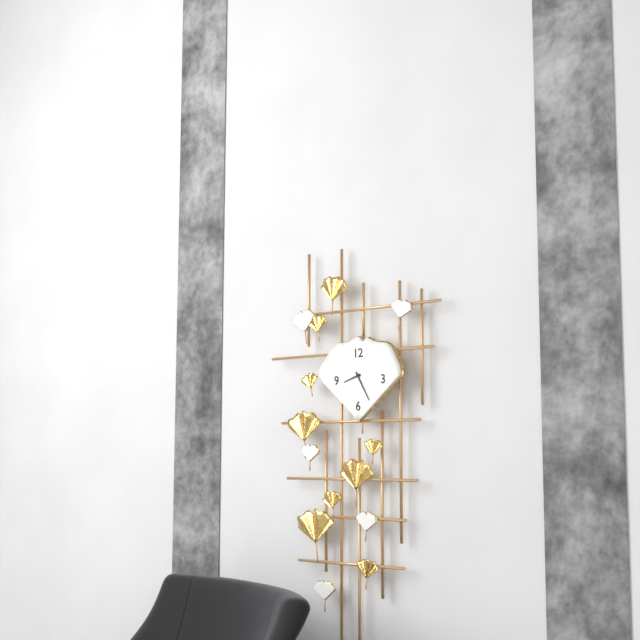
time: **8:25**
